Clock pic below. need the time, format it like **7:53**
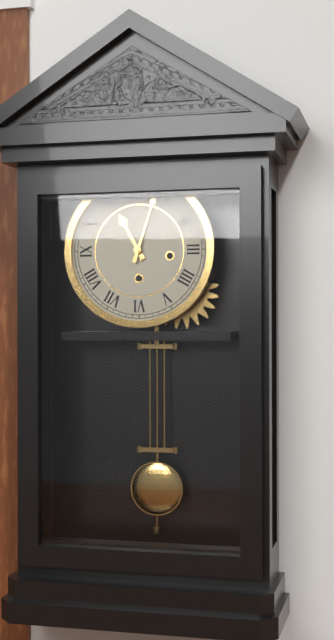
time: **11:03**
